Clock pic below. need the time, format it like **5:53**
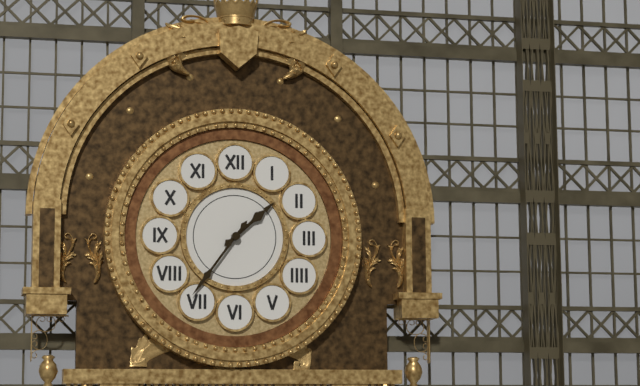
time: **1:36**
